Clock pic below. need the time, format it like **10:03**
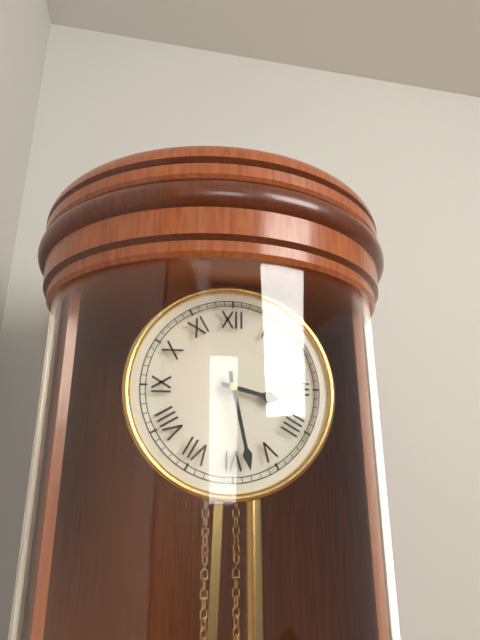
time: **3:28**
